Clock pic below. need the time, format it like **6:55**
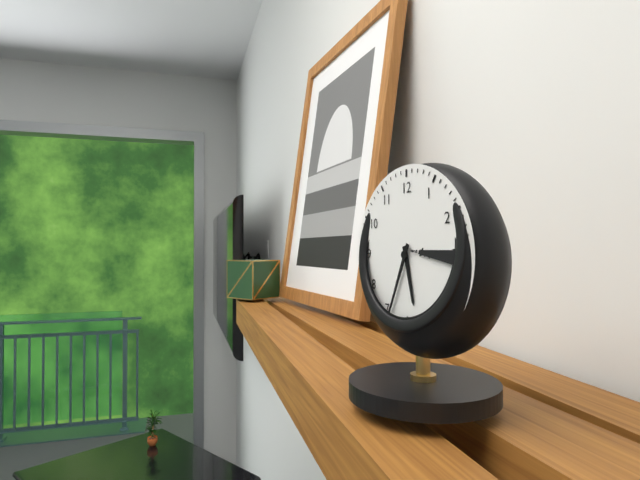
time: **5:34**
